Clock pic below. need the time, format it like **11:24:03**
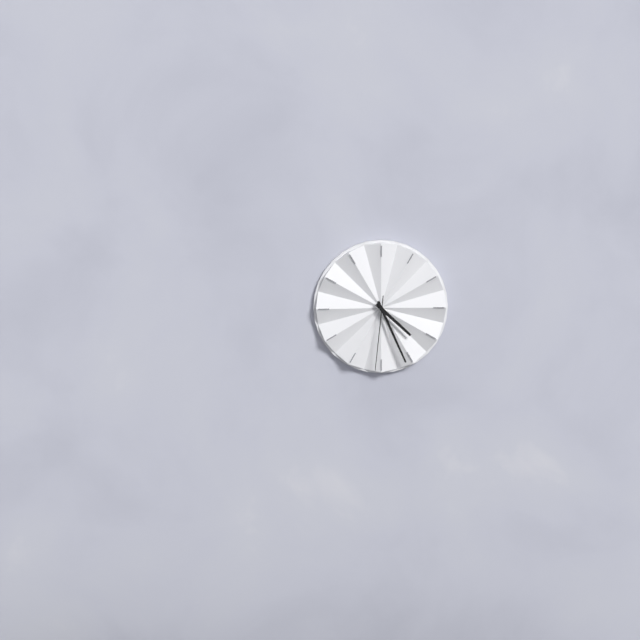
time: **4:26:31**
